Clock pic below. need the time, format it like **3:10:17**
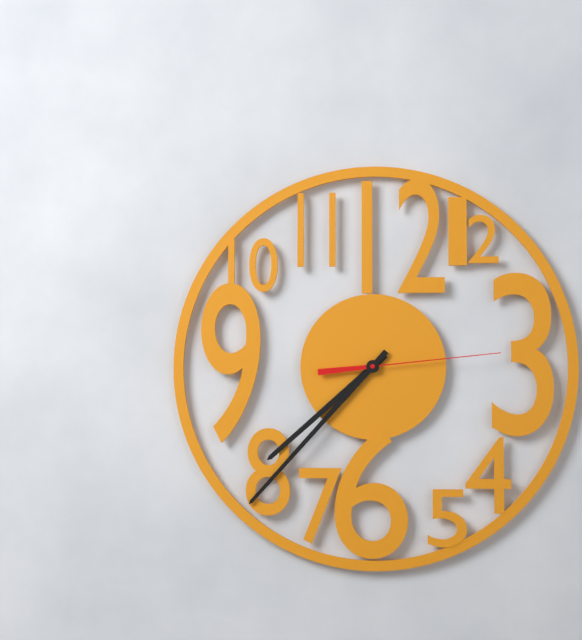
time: **7:37:14**
